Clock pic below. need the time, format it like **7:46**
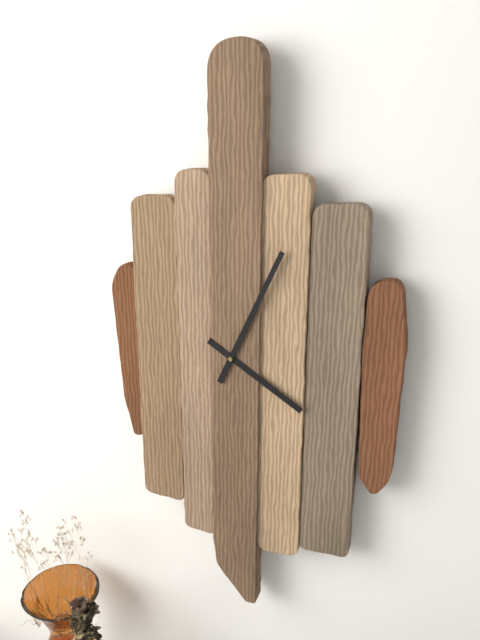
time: **4:04**
